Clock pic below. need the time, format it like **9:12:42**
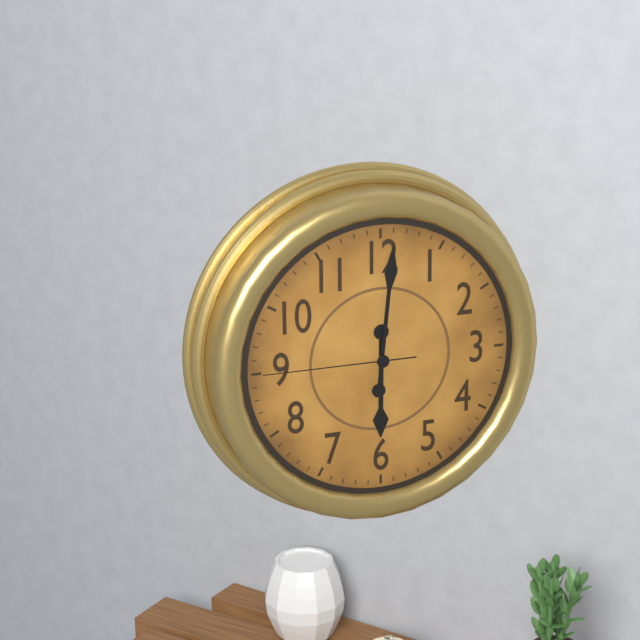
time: **6:01:45**
